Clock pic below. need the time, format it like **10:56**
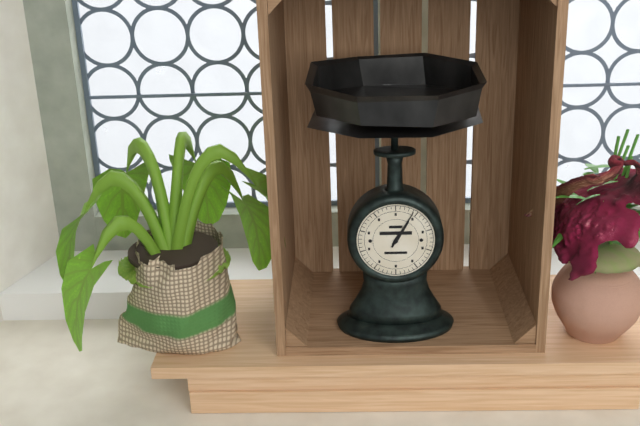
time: **1:05**
